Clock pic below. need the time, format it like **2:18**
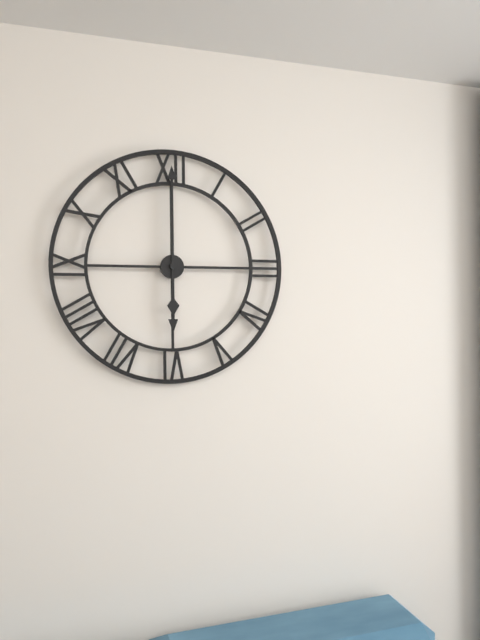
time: **6:00**
